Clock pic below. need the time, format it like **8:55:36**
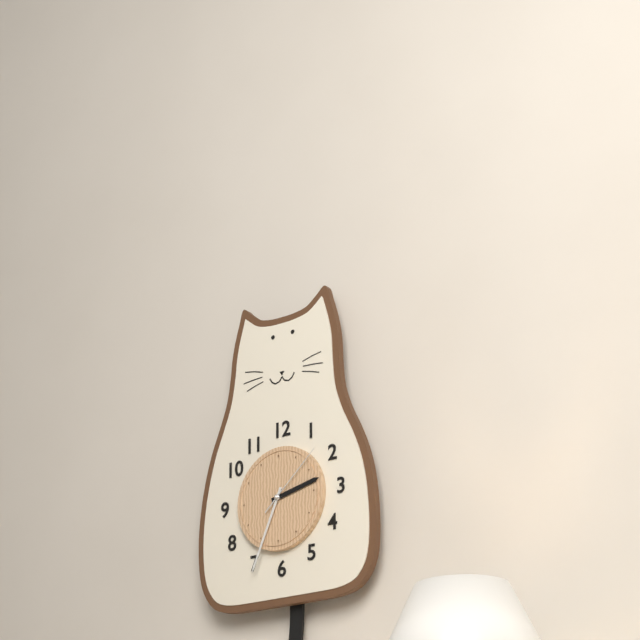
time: **2:34:08**
